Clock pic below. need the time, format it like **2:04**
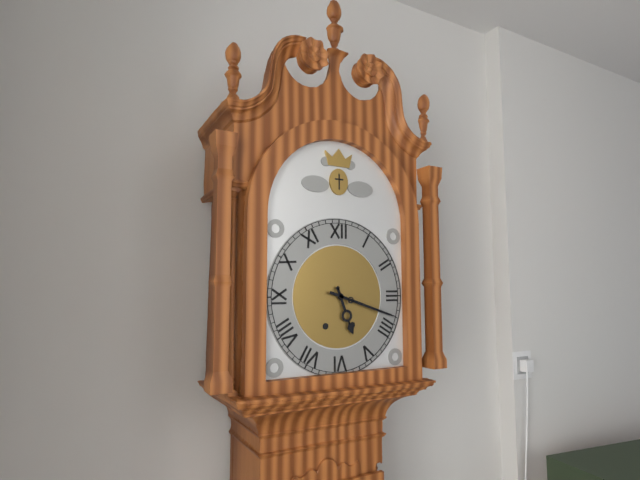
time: **5:18**
